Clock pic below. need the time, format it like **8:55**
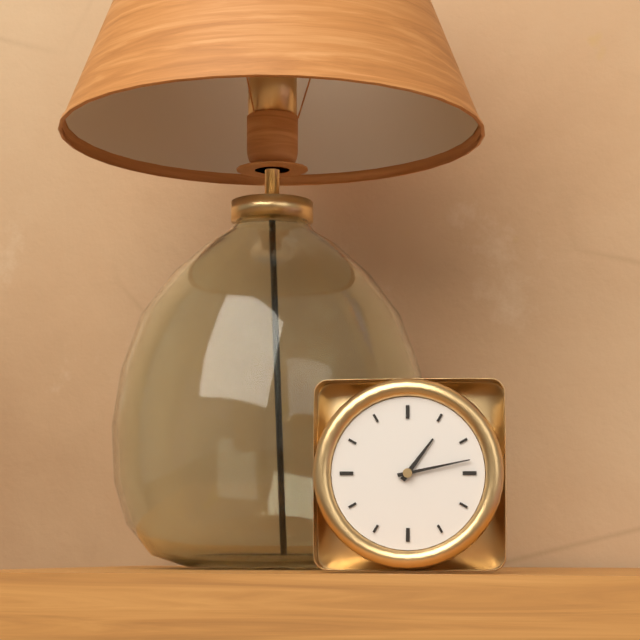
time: **1:13**
